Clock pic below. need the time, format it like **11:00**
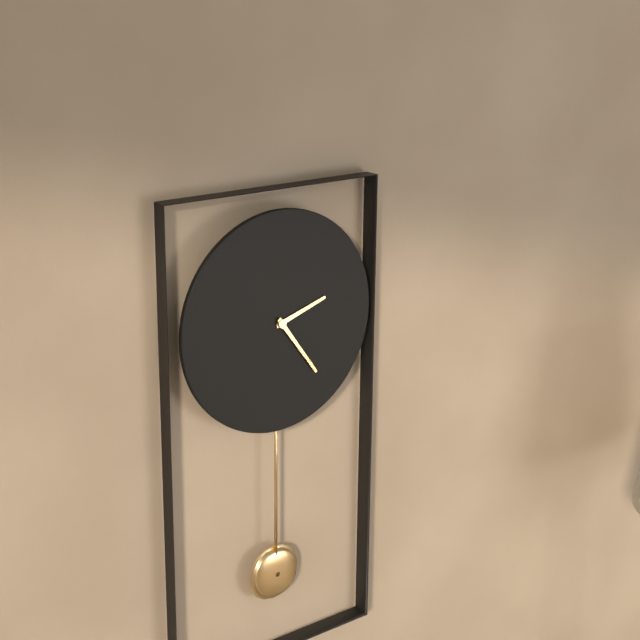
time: **2:24**
